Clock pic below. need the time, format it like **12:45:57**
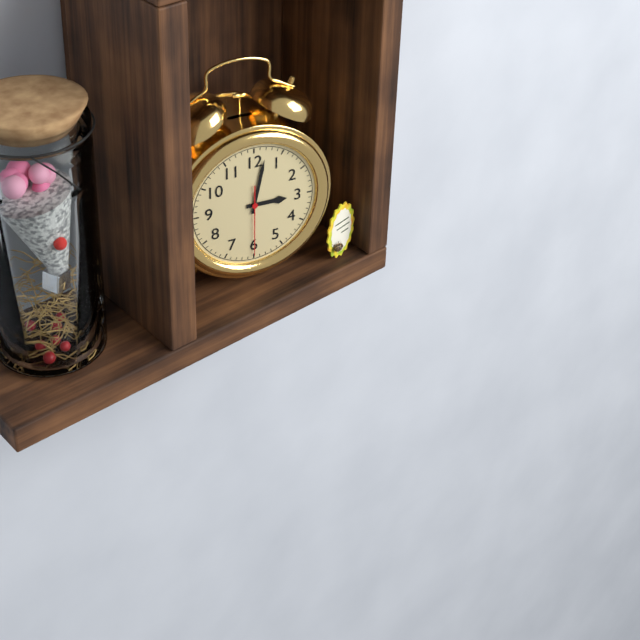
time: **3:02:30**
